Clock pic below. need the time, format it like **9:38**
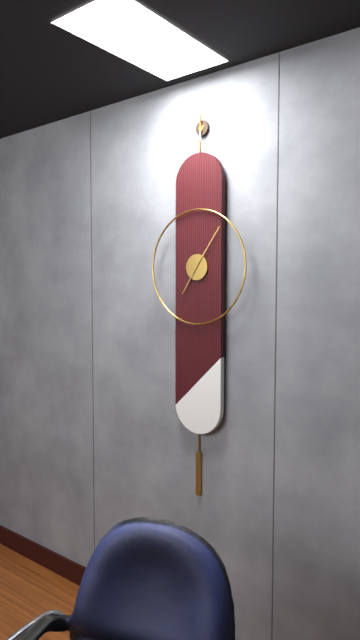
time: **7:06**
